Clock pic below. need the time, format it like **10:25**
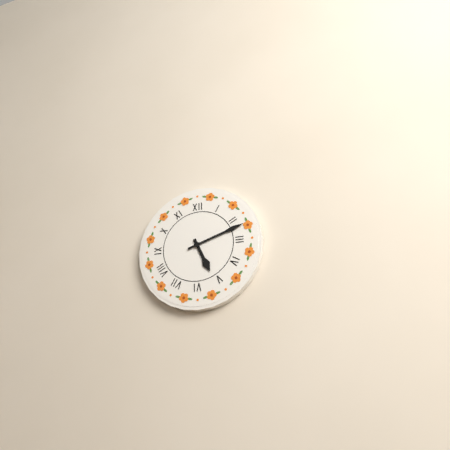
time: **5:12**
